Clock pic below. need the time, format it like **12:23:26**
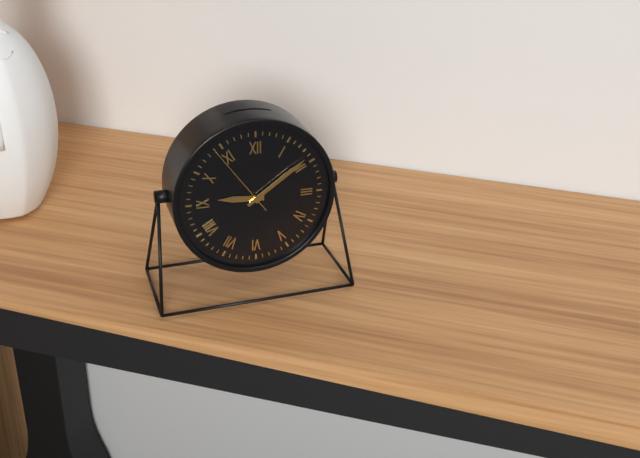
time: **9:09:54**
